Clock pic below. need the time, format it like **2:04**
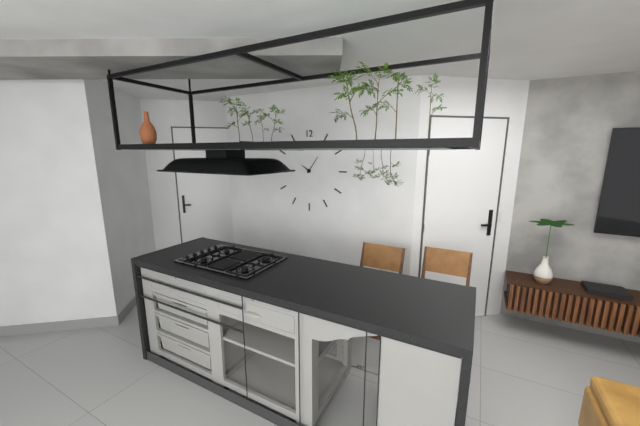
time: **10:06**
